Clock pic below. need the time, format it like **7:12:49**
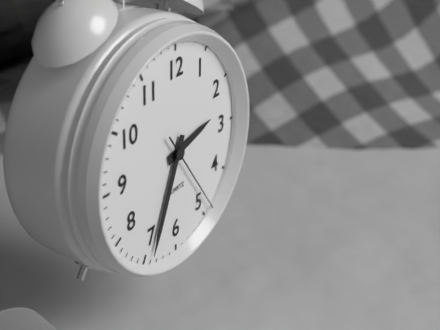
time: **2:34:24**
